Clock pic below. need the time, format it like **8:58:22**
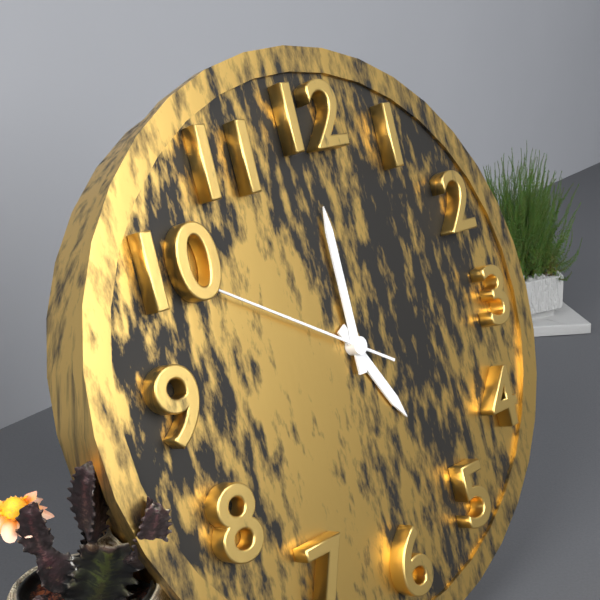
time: **5:00:50**
